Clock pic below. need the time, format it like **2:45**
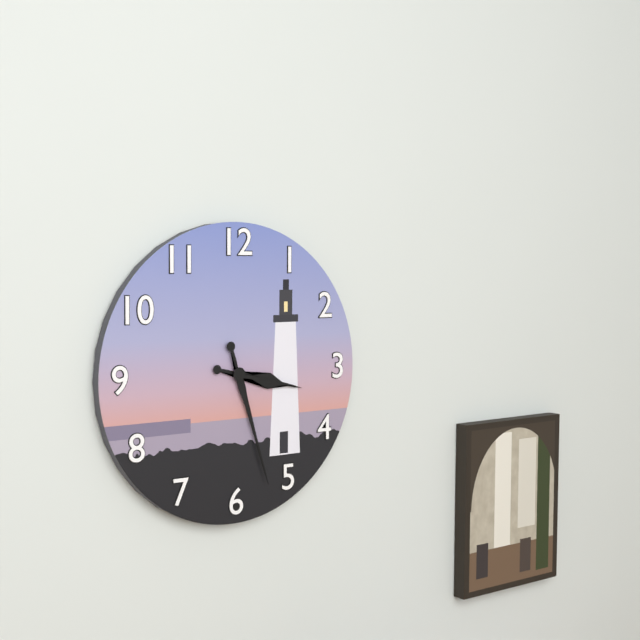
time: **3:27**
